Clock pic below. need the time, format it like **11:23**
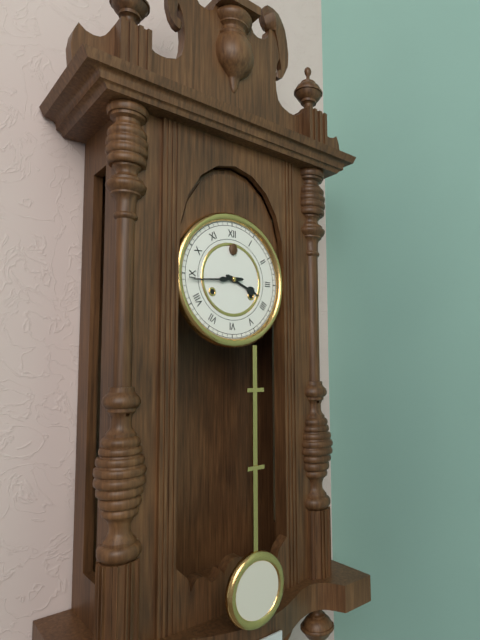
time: **3:44**
